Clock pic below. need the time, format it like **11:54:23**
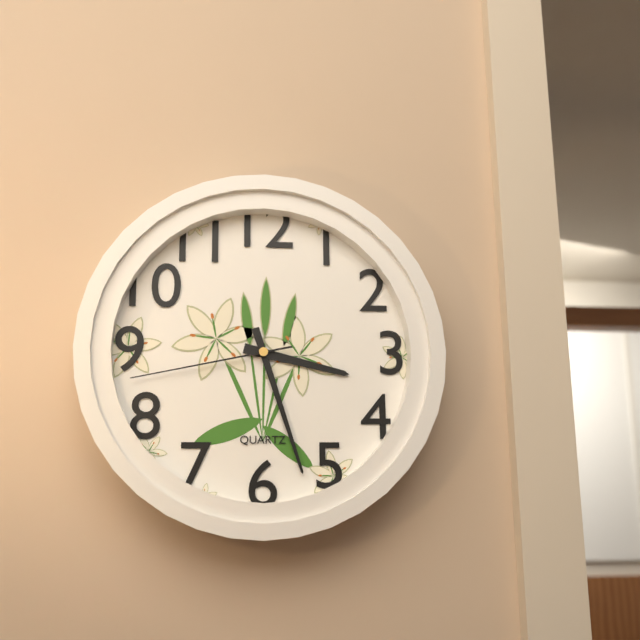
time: **3:27:43**
